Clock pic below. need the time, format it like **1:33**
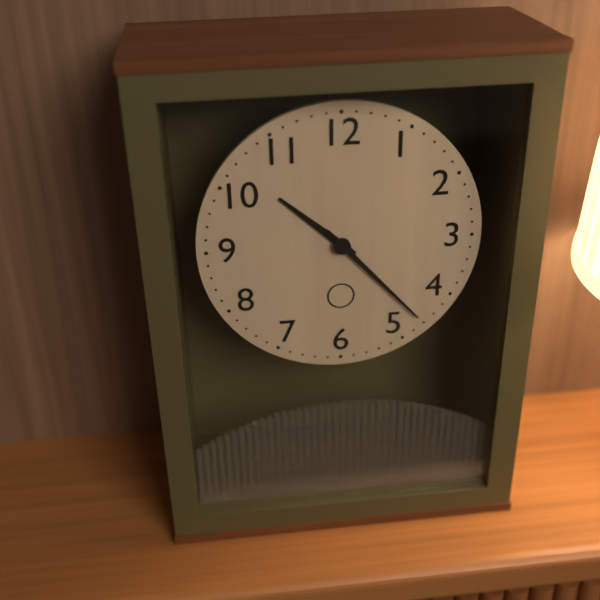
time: **10:23**
